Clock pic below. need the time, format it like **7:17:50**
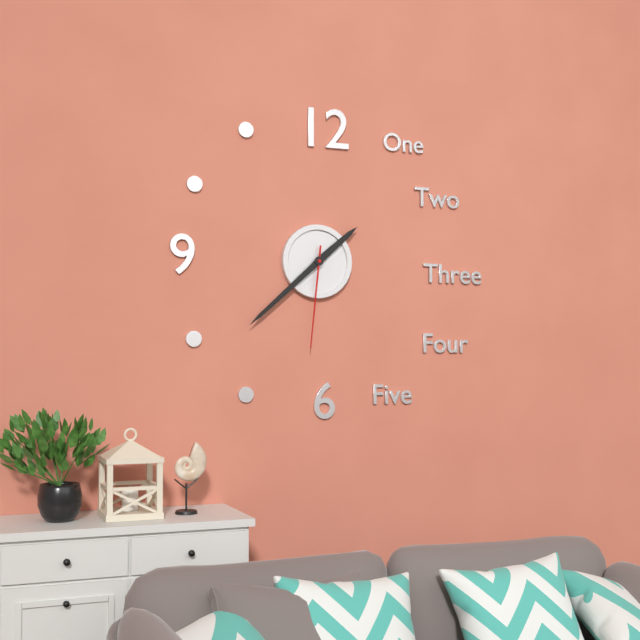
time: **1:38:31**
